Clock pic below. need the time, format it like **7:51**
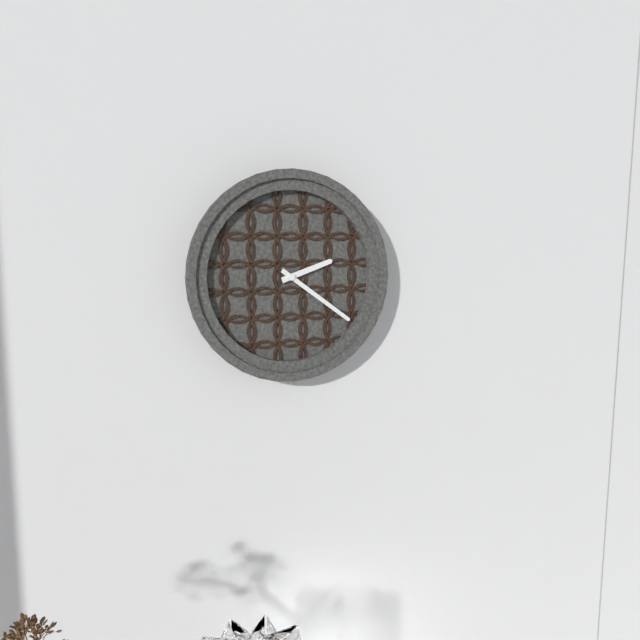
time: **2:21**
